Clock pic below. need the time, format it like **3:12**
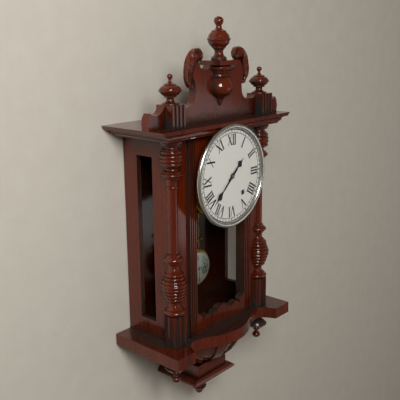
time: **1:38**
